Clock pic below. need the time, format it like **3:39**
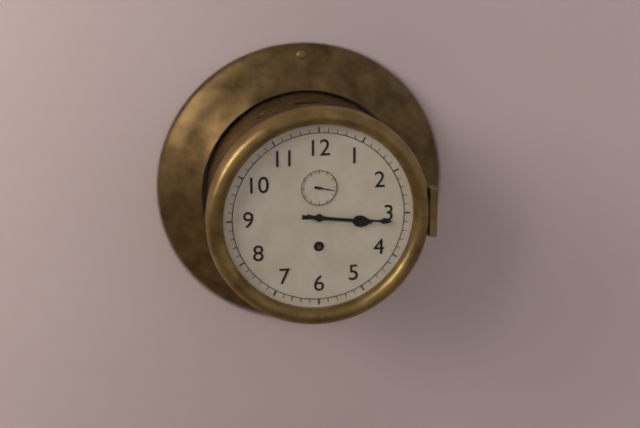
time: **3:16**
